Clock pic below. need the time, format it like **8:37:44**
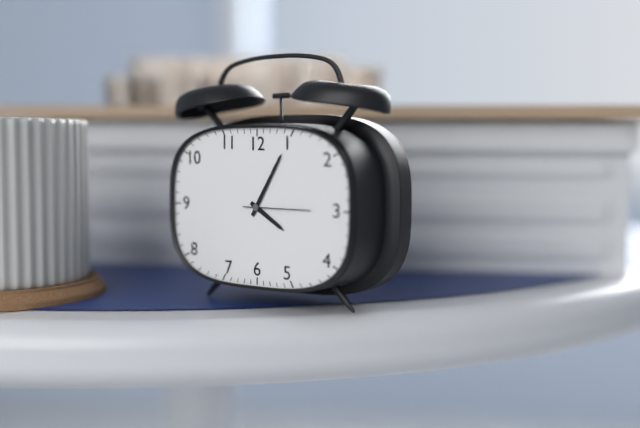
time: **4:05:15**
